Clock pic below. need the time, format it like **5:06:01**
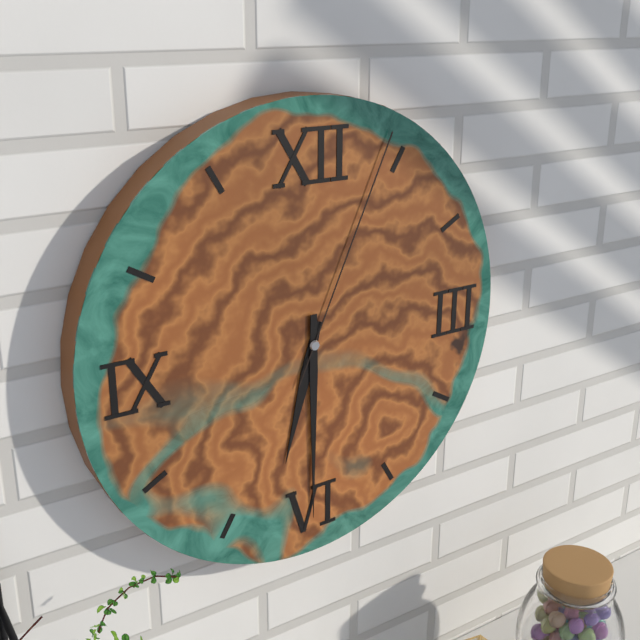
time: **6:30:04**
